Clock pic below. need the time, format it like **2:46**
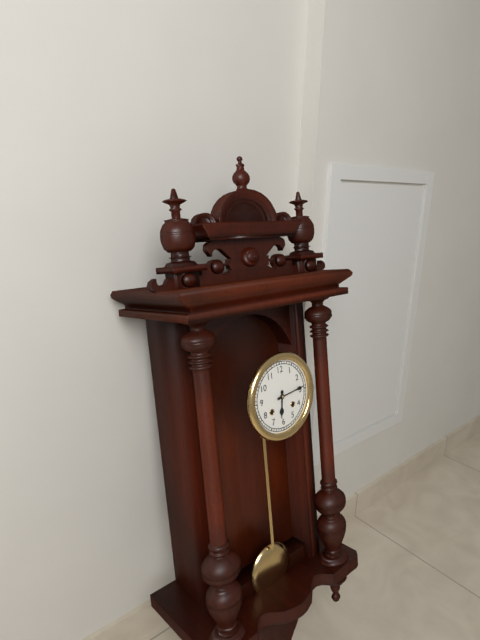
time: **6:14**
